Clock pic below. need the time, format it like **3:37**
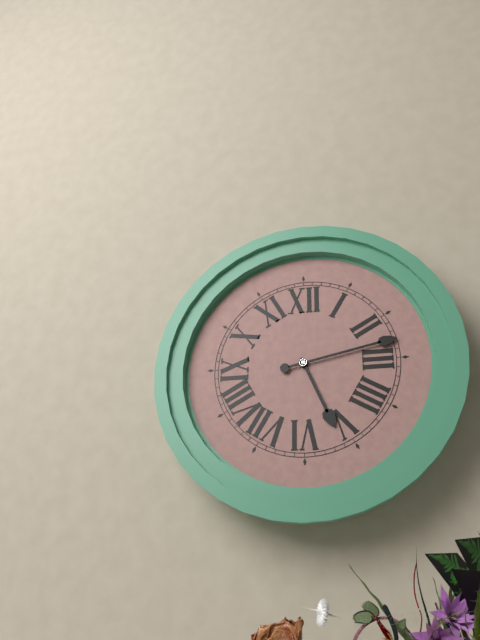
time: **5:13**
